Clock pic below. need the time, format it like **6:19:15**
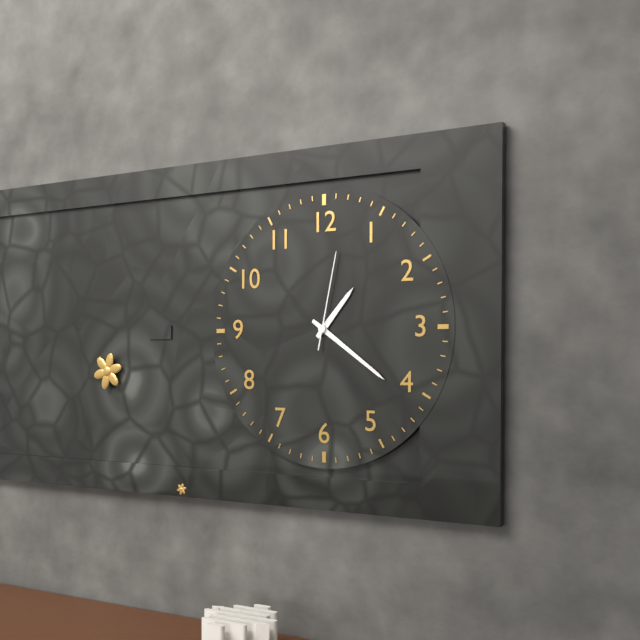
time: **1:21:02**
